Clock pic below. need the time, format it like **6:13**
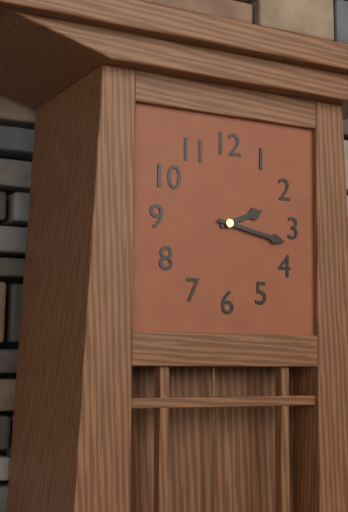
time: **2:17**
